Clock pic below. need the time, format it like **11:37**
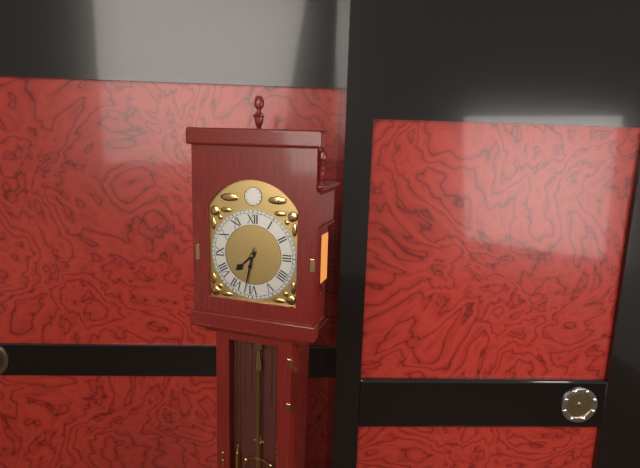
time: **7:32**
